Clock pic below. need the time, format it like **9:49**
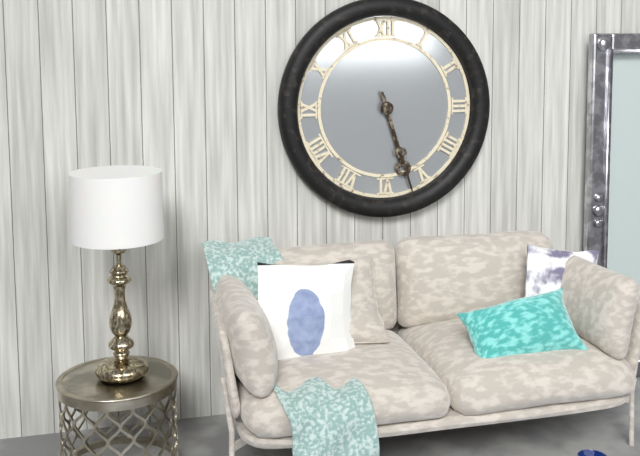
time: **5:27**
